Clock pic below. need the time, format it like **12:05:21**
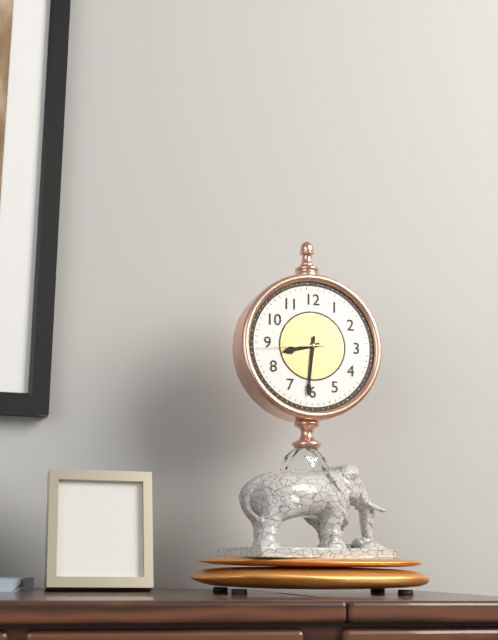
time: **8:31:44**
